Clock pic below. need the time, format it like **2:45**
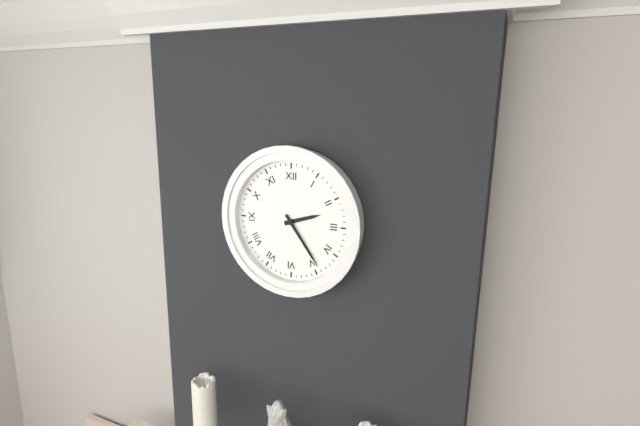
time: **2:24**
